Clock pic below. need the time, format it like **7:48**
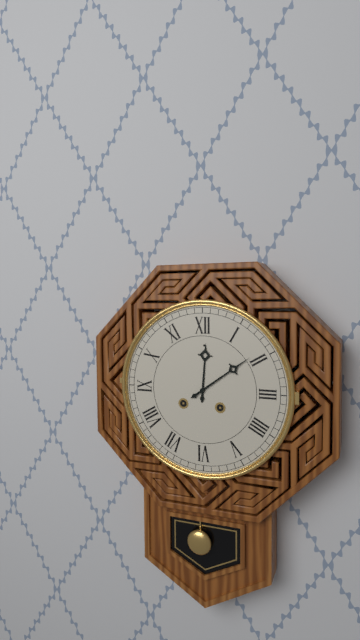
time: **12:09**
